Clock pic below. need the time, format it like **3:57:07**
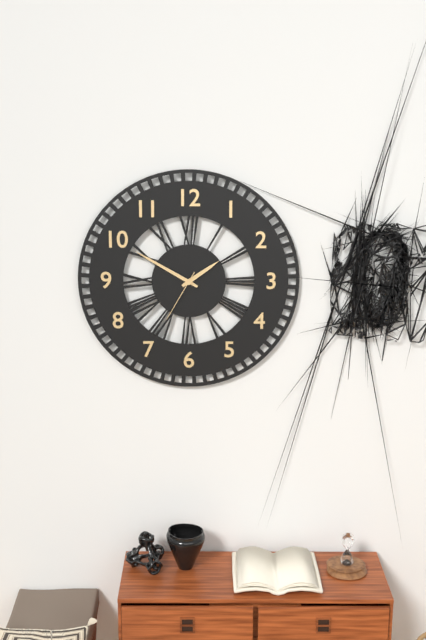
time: **1:50:35**
